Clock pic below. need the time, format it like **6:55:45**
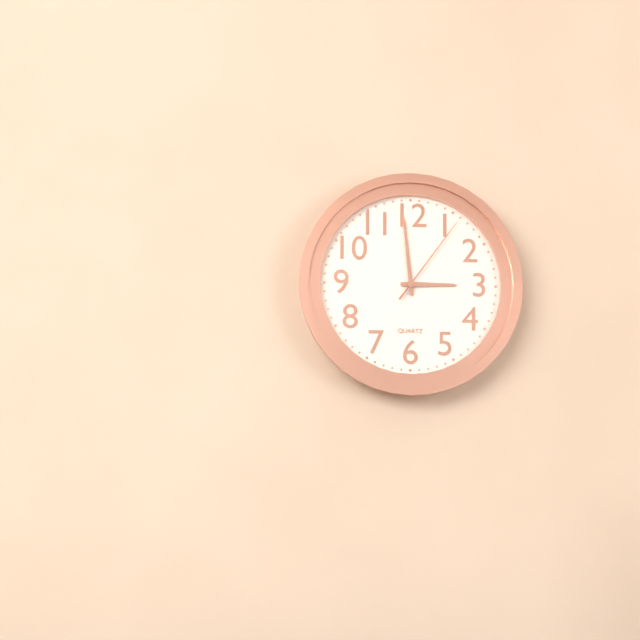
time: **2:59:06**
